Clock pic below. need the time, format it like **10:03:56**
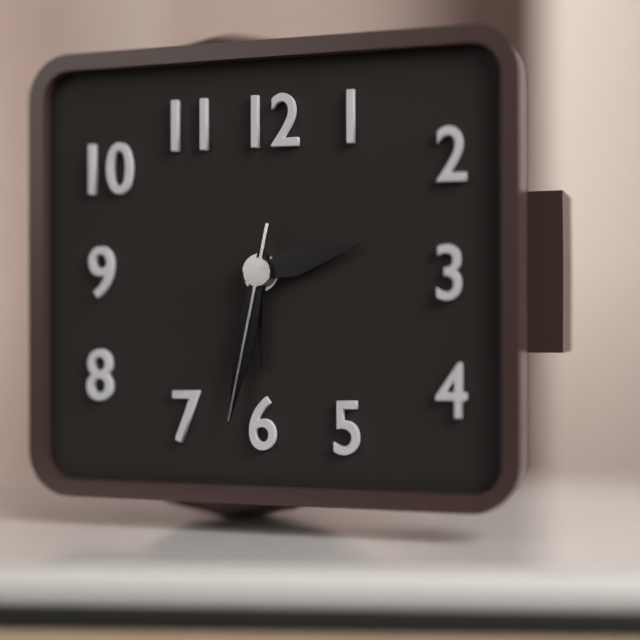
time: **2:32:32**
